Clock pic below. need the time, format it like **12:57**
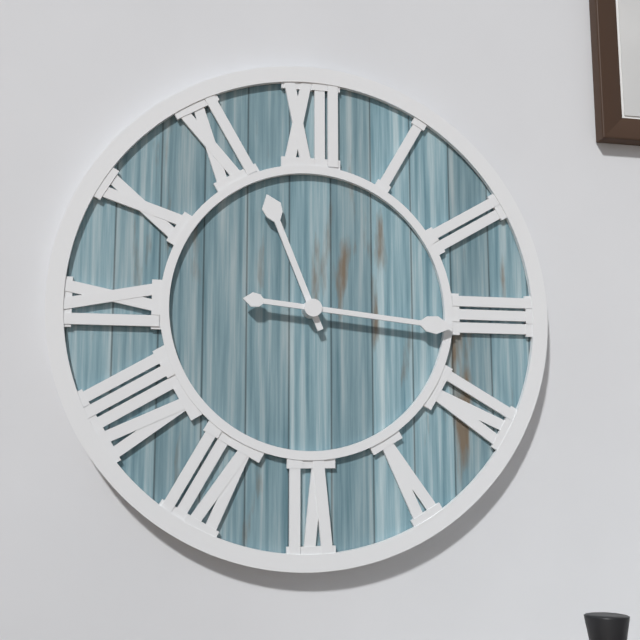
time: **11:16**
